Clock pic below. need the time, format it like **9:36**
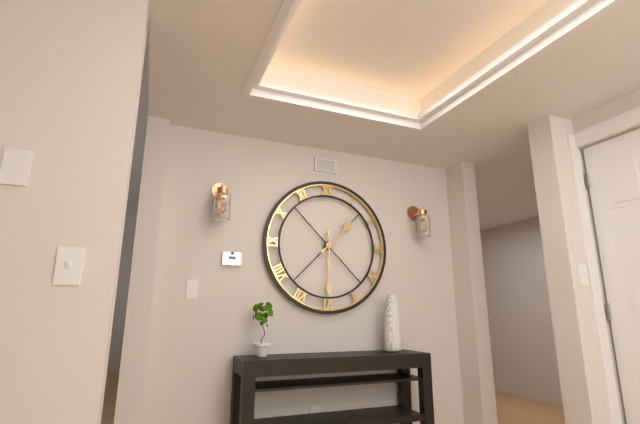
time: **1:30**
